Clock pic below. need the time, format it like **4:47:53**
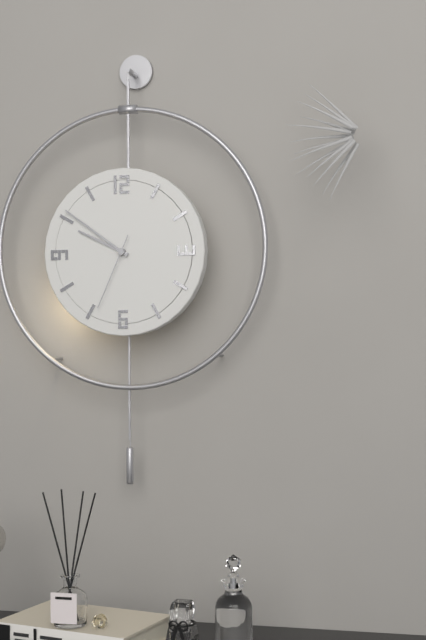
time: **9:51:34**
